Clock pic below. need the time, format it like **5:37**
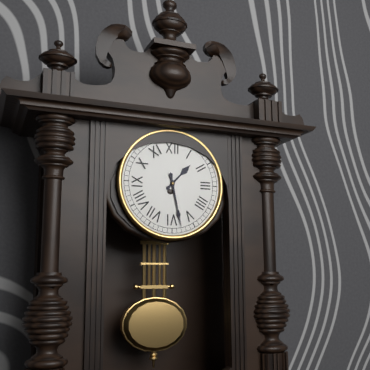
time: **1:28**
